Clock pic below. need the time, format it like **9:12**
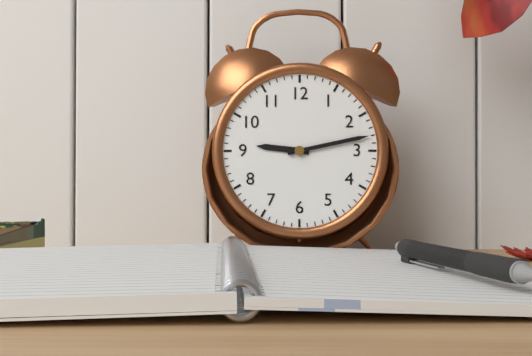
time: **9:13**
